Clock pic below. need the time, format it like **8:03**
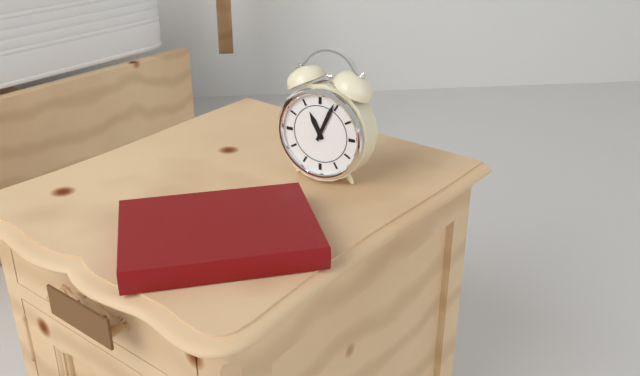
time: **11:04**
